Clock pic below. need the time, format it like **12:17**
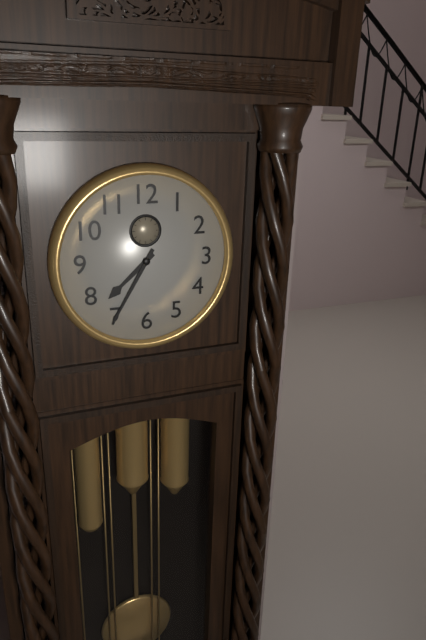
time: **7:35**
